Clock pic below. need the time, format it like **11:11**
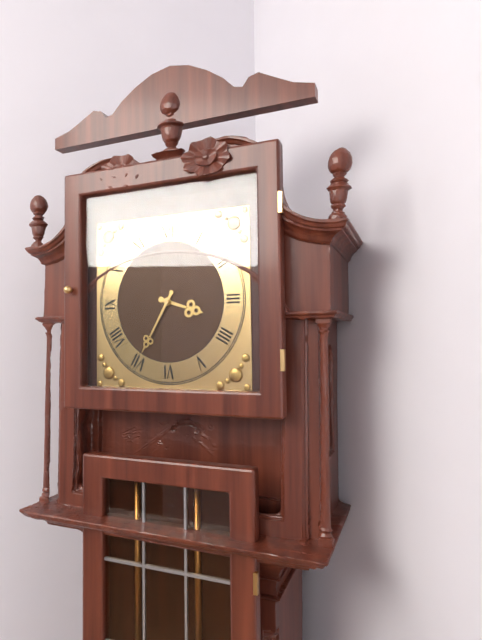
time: **3:35**
